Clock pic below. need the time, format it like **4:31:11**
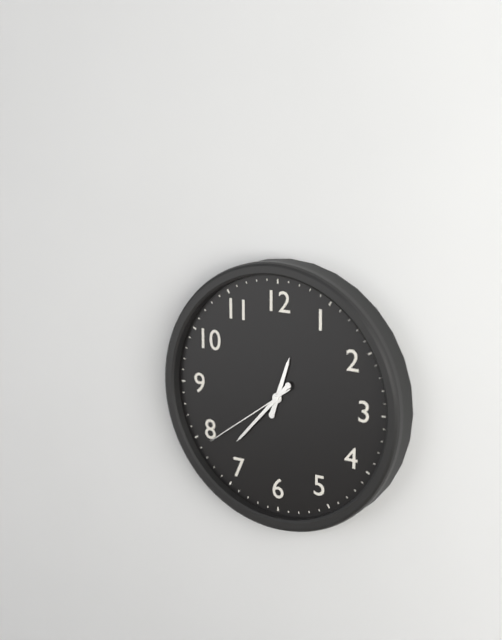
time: **12:37:39**
